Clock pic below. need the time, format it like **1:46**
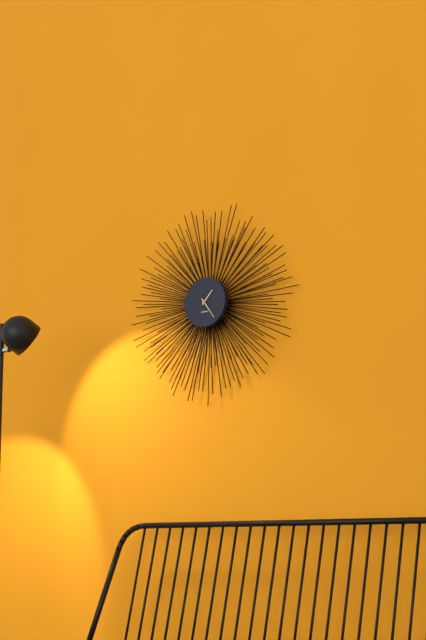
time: **1:24**
